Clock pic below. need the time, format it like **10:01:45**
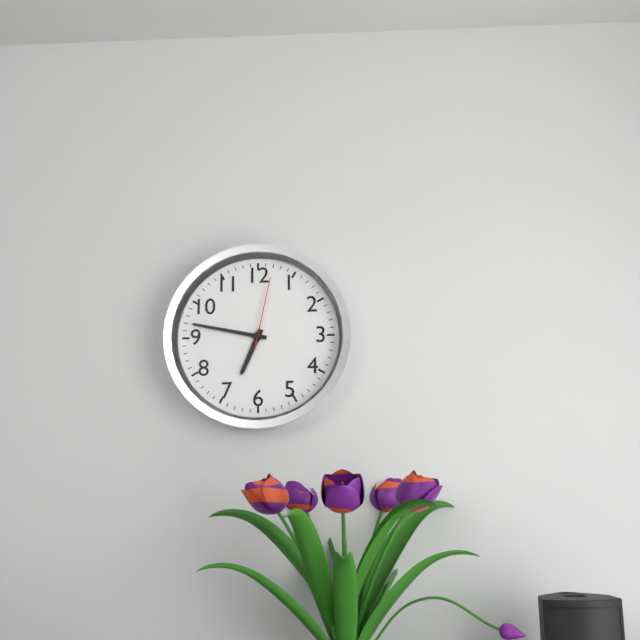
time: **6:47:02**
